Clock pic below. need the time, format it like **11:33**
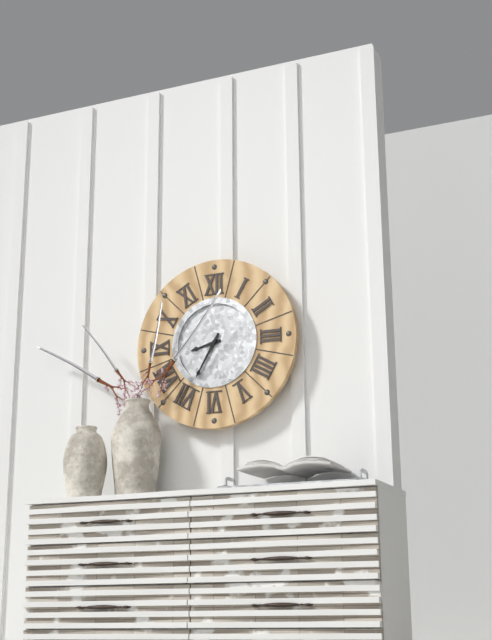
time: **8:35**
